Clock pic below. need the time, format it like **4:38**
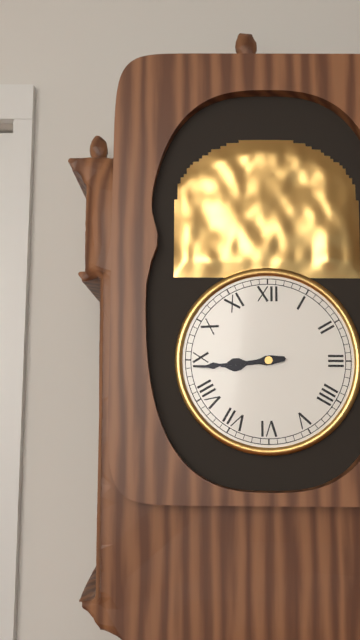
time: **8:44**
